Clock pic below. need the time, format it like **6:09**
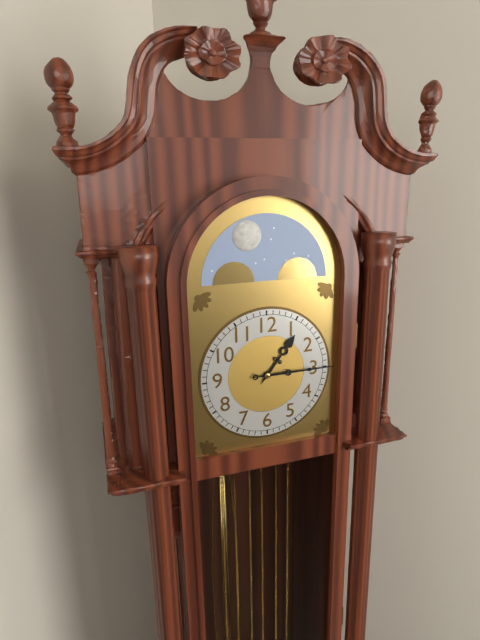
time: **1:15**
